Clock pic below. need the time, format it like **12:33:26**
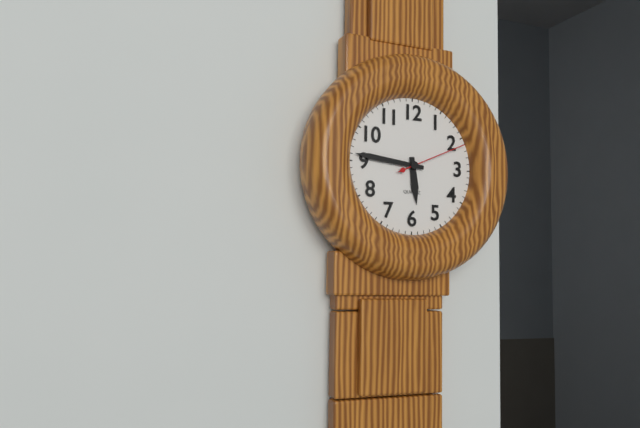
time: **5:46:11**
